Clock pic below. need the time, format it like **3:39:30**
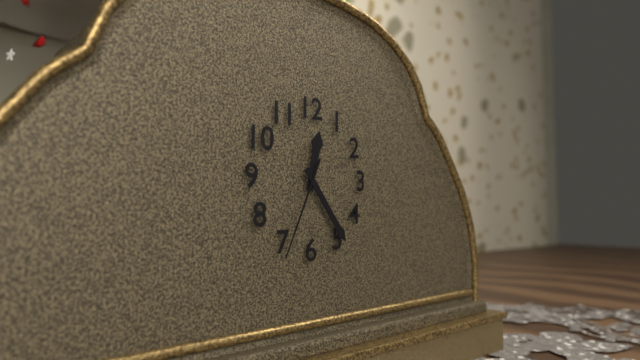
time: **12:24:34**
